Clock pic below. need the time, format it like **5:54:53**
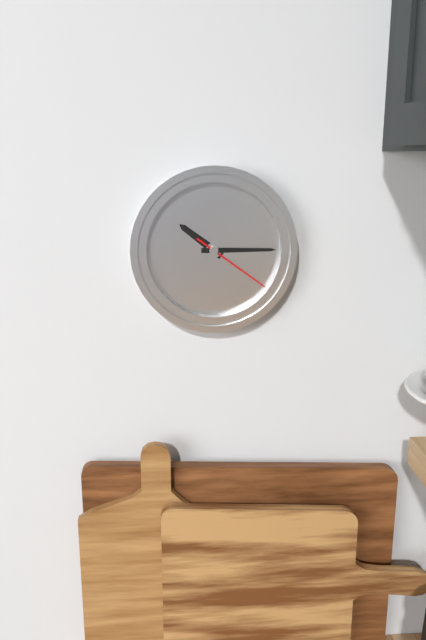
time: **10:15:21**
